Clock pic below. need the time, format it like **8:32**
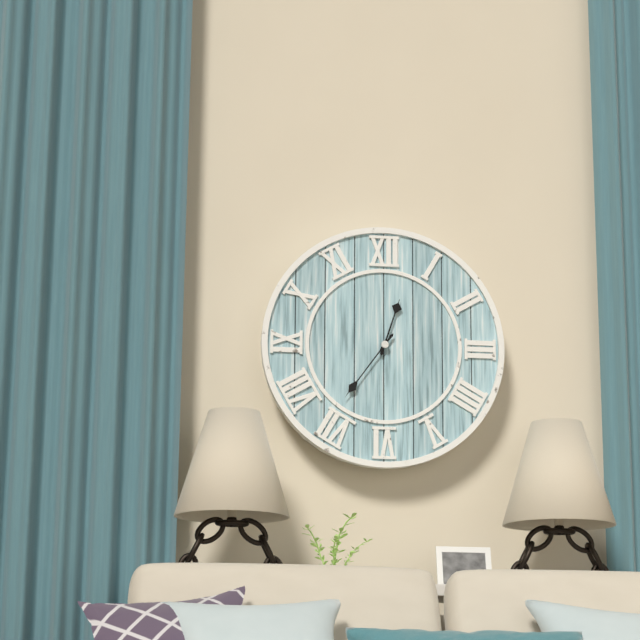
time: **12:36**
